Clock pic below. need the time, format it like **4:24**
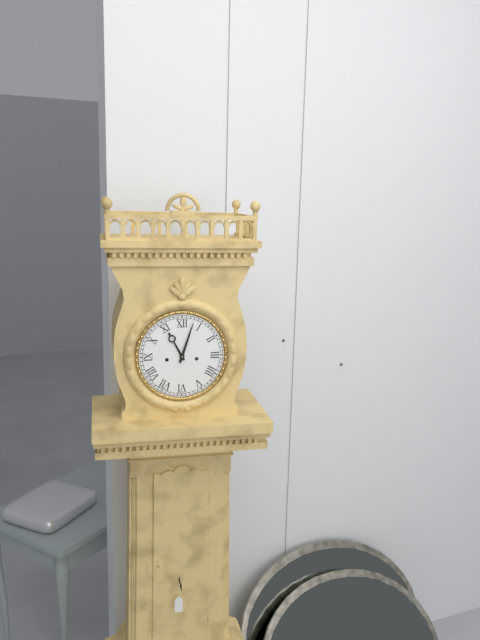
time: **11:03**
